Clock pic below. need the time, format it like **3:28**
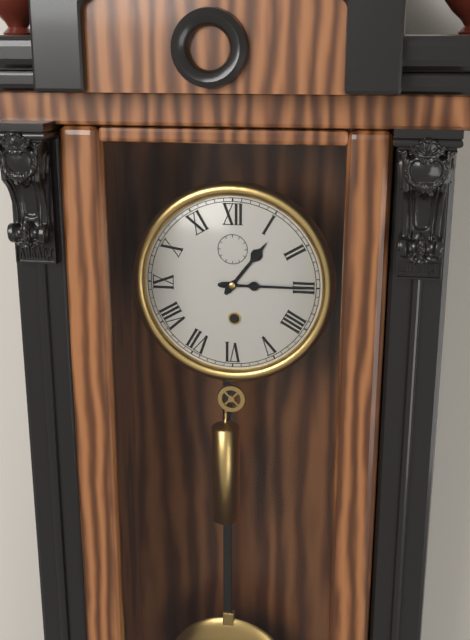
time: **1:15**
